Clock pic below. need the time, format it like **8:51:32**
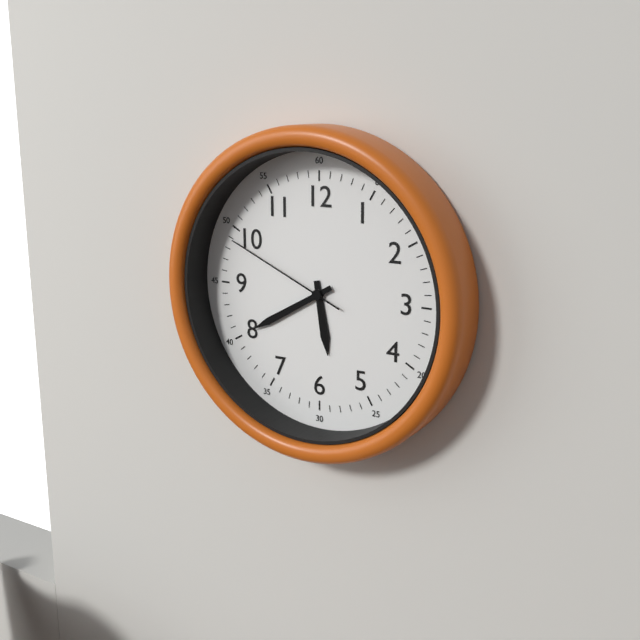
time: **5:40:49**
